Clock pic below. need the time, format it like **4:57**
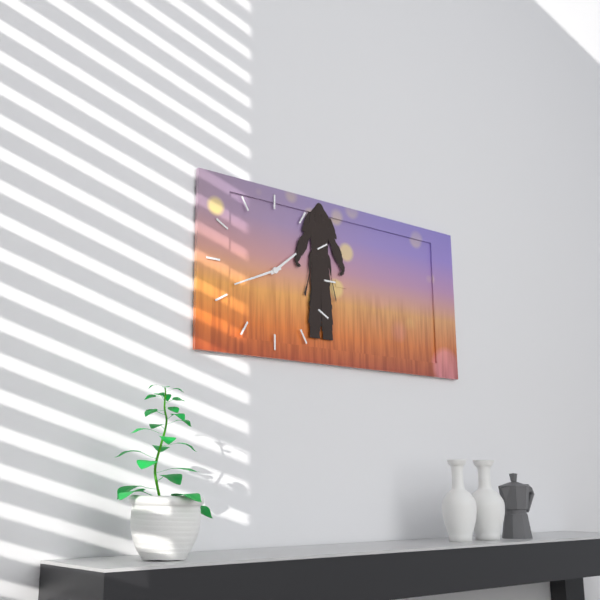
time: **1:41**
